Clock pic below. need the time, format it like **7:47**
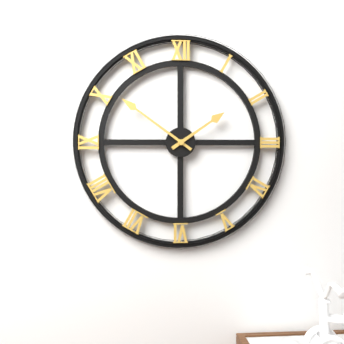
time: **1:51**
